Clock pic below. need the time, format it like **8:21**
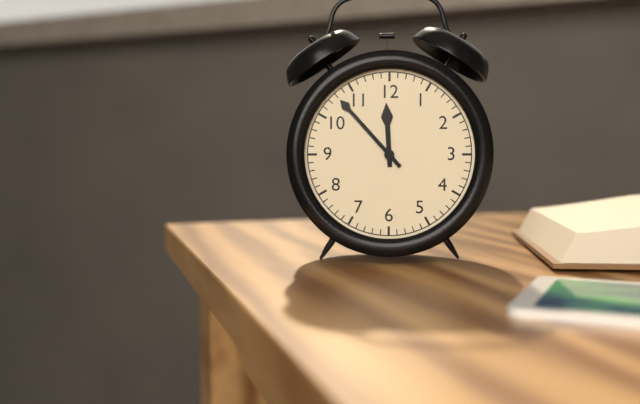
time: **11:53**
